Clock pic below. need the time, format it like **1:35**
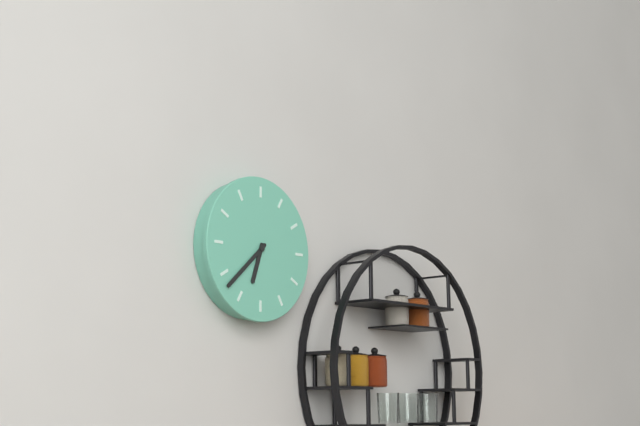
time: **6:38**
